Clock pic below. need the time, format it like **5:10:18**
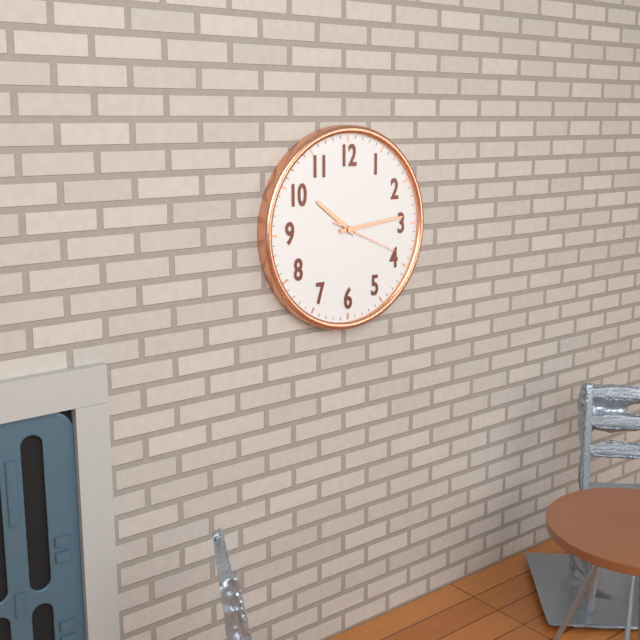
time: **10:14:19**
